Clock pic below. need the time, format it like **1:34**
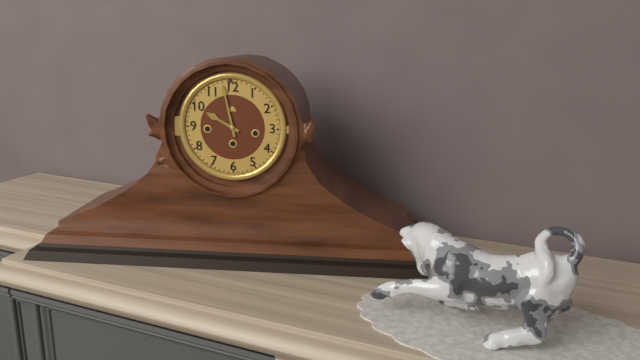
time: **9:58**
